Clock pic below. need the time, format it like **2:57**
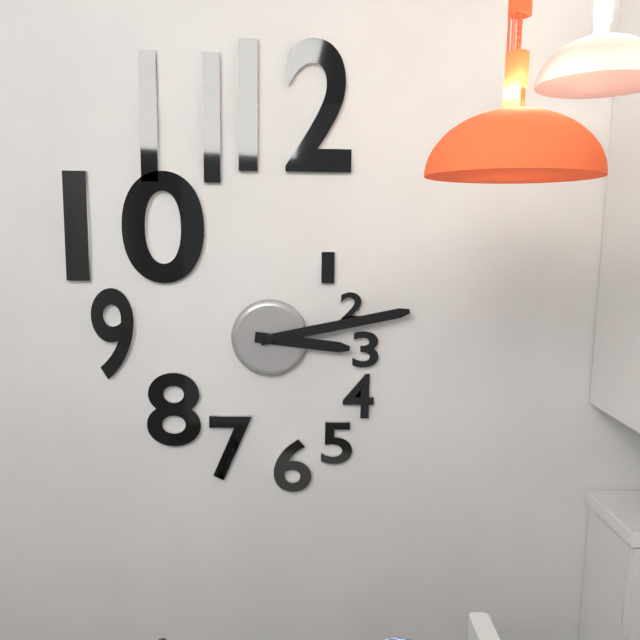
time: **3:13**
